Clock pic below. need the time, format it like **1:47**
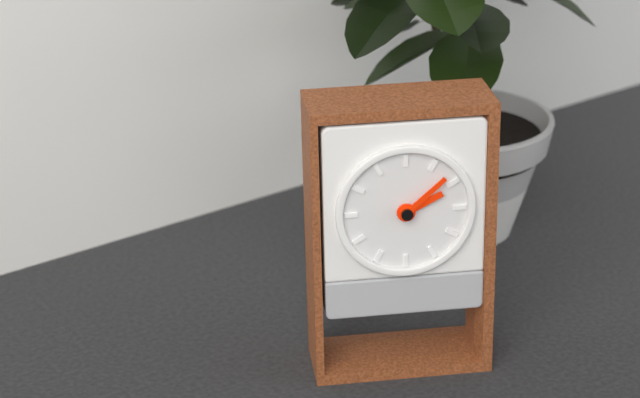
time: **2:08**
